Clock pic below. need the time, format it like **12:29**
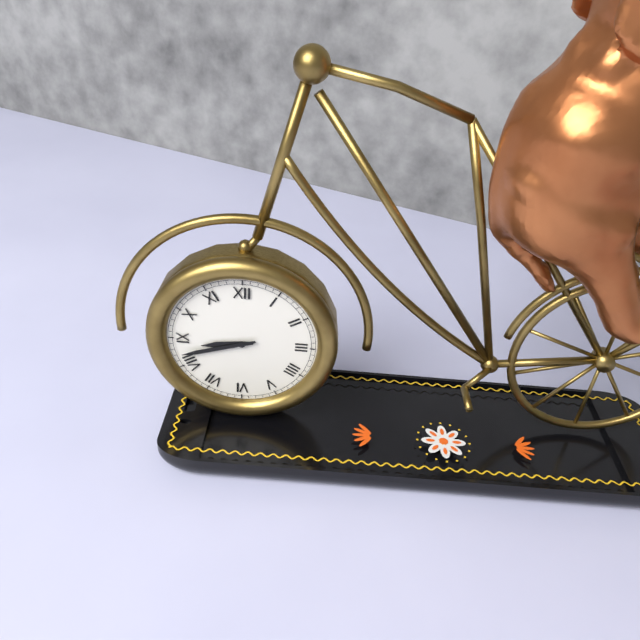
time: **8:42**
